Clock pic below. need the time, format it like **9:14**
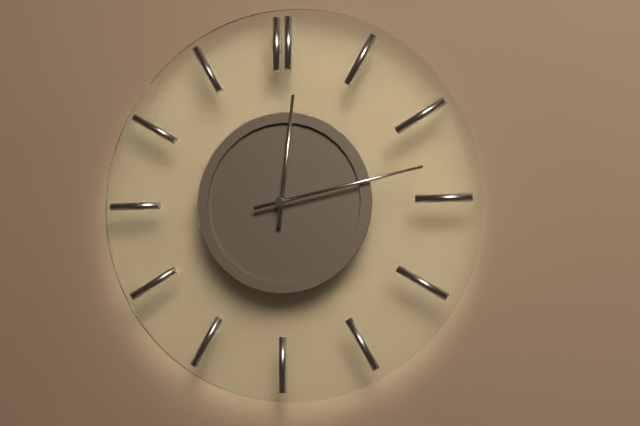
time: **12:13**
